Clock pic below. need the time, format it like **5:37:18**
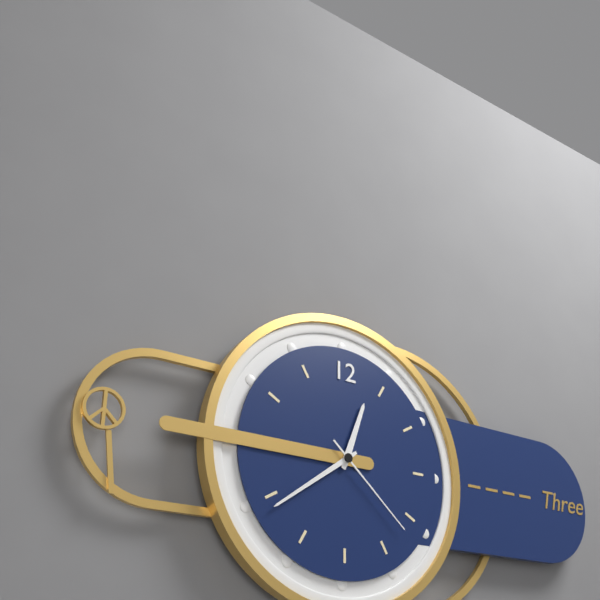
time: **12:39:22**
